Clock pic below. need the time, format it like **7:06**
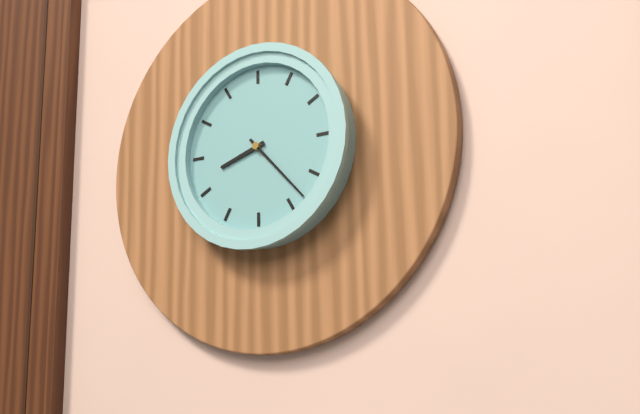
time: **8:23**
